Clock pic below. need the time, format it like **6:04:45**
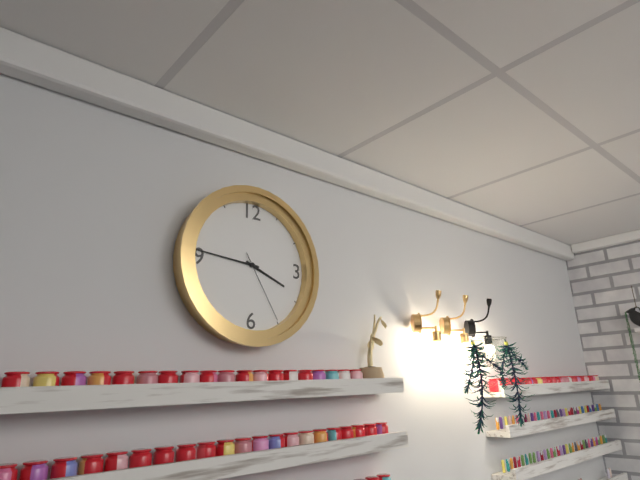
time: **3:46:25**
